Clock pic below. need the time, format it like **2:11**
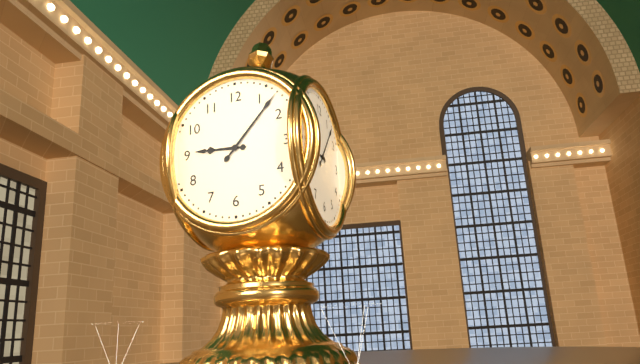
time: **9:07**
